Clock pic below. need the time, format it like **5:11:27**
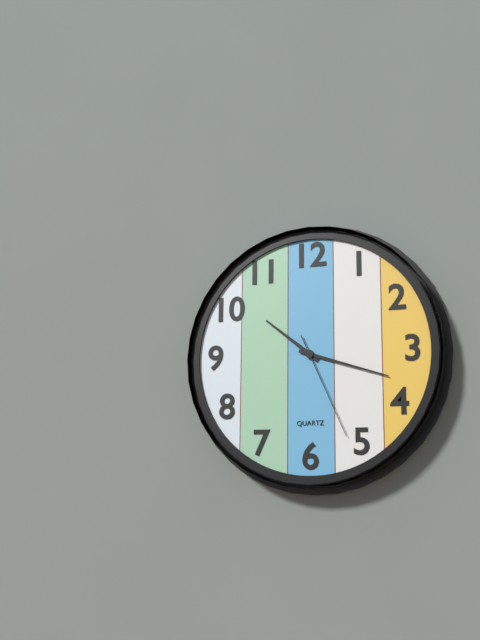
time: **10:18:26**
